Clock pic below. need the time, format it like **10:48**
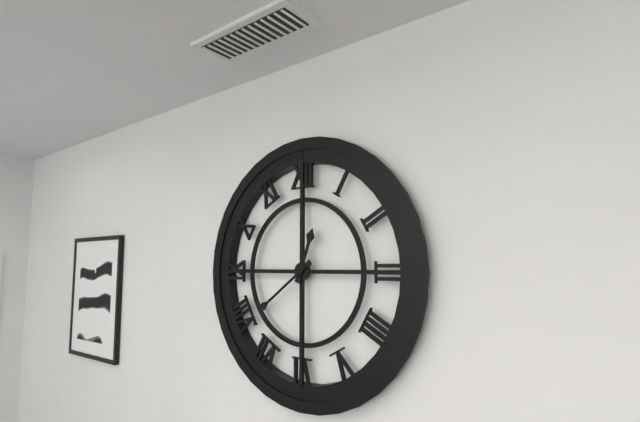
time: **12:39**
